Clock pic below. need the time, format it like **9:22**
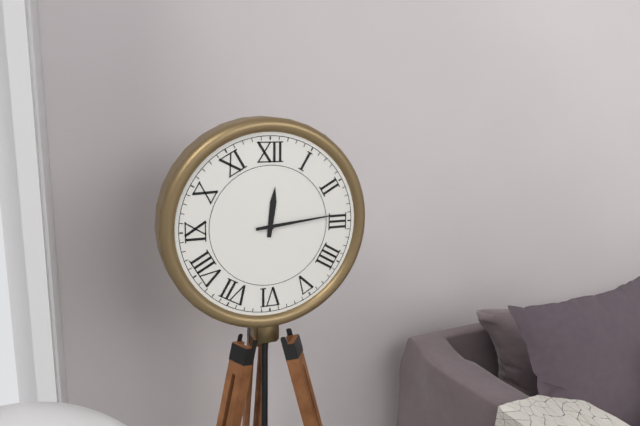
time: **12:14**
